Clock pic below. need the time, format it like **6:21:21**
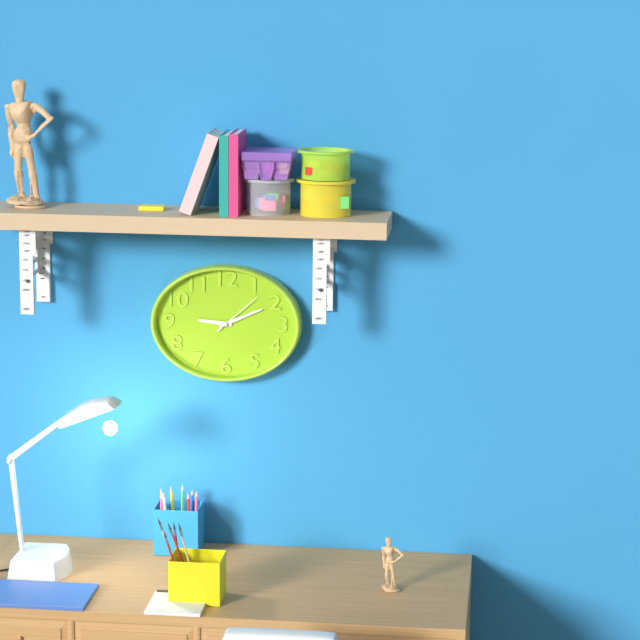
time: **9:11:08**
